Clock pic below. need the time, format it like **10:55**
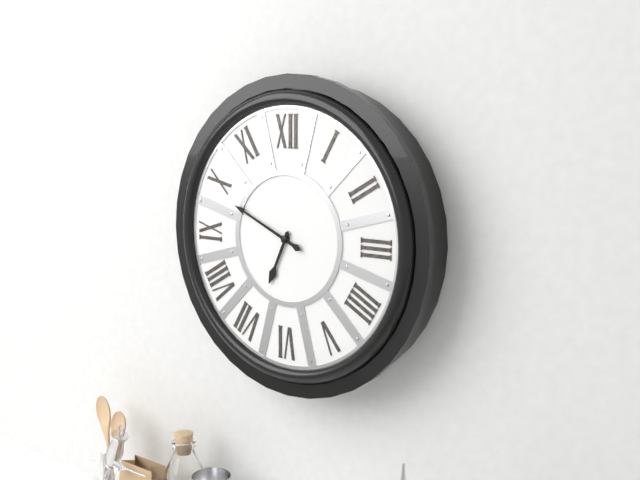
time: **6:49**
